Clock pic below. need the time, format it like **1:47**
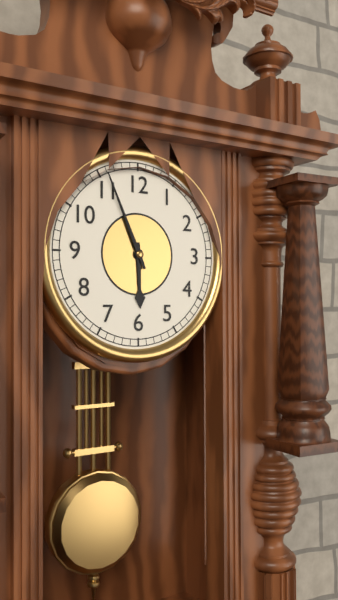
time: **5:56**
